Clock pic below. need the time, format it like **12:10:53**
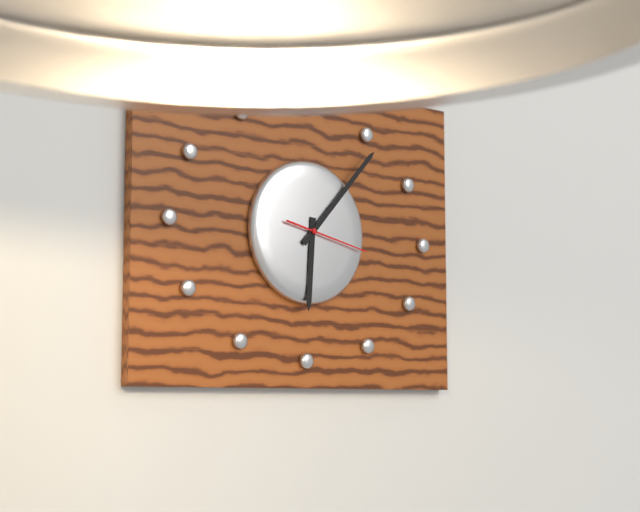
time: **6:07:17**
